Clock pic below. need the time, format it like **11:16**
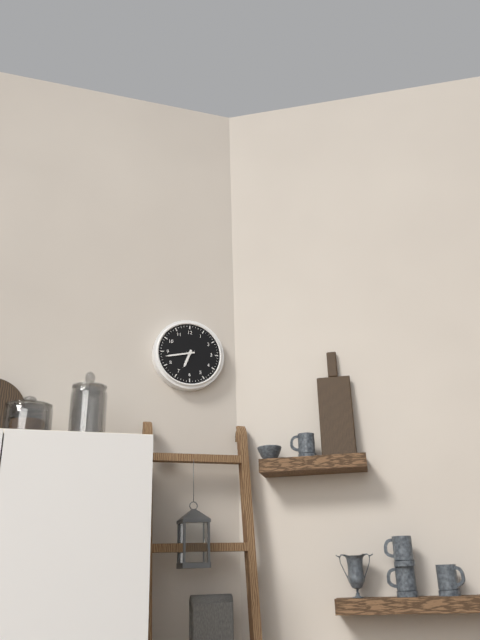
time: **6:43**
